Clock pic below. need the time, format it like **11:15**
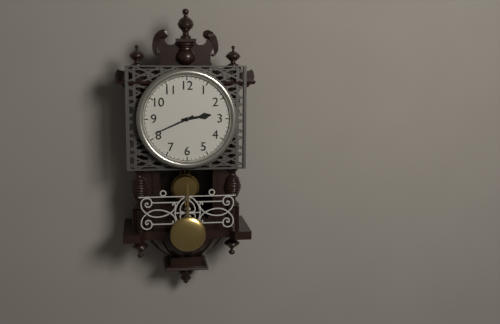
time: **2:41**
